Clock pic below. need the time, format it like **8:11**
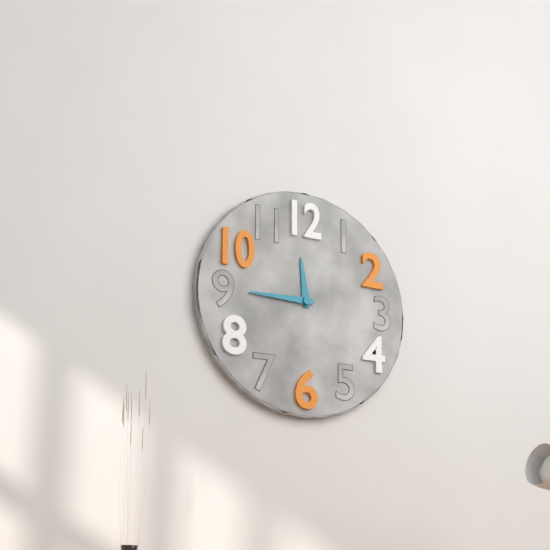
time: **11:45**
